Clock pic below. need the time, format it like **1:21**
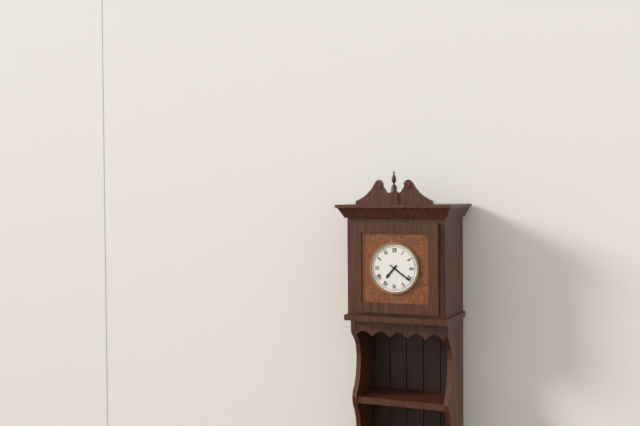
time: **7:21**
